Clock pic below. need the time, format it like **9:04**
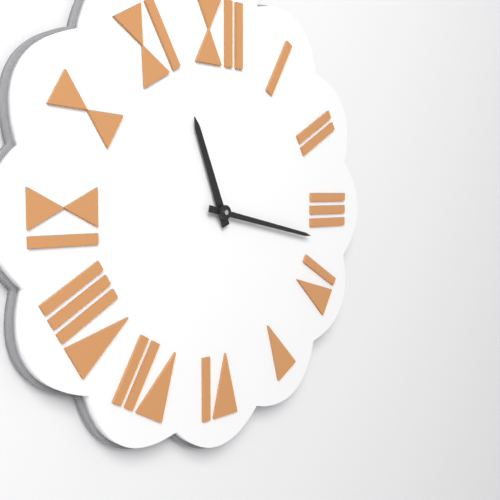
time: **11:17**
